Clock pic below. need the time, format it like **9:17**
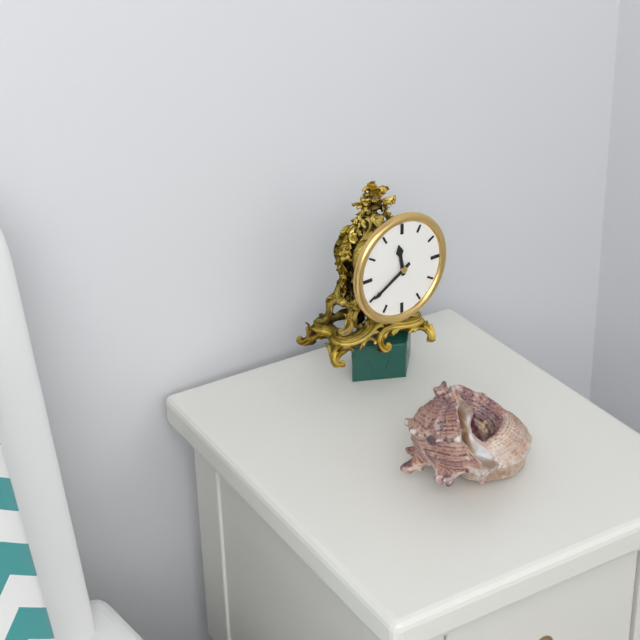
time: **11:40**
